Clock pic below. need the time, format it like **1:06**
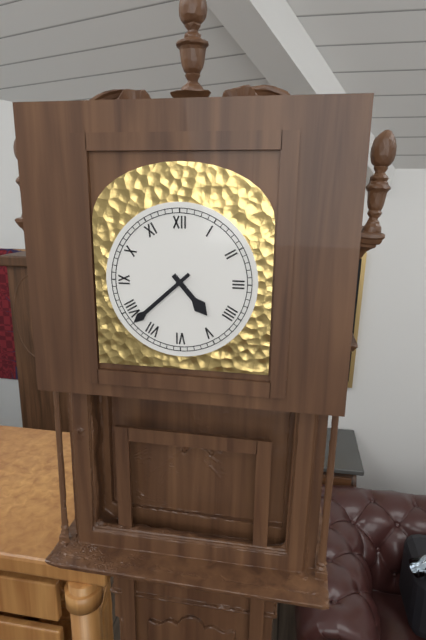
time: **4:38**
